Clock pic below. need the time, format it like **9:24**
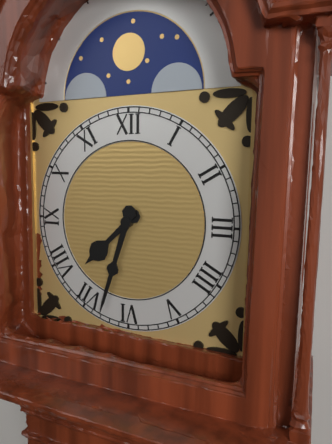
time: **7:33**
